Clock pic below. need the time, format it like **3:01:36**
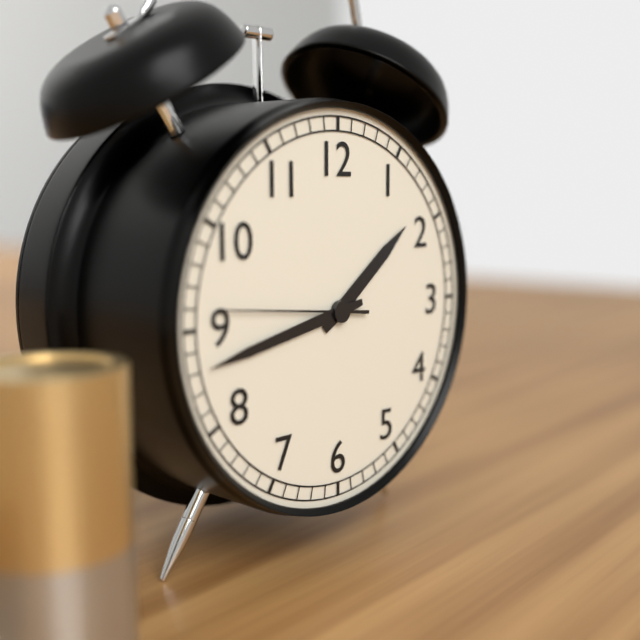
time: **1:43:46**
